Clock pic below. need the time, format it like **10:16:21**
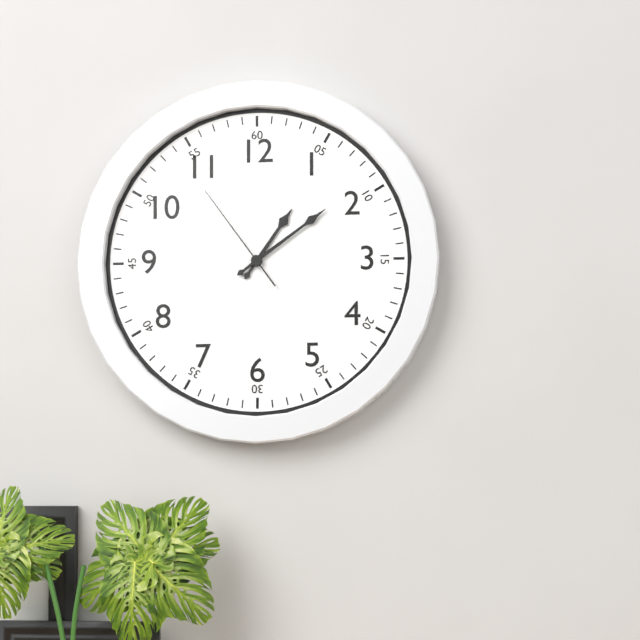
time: **1:09:54**
